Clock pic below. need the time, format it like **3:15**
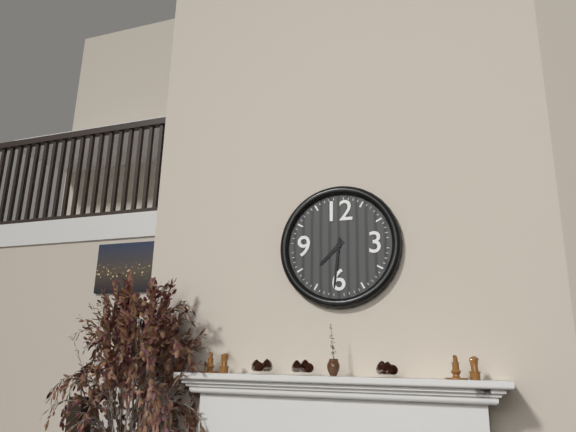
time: **7:31**
